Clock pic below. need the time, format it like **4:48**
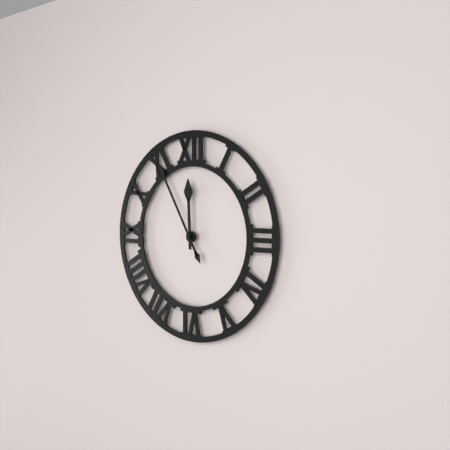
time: **11:55**
